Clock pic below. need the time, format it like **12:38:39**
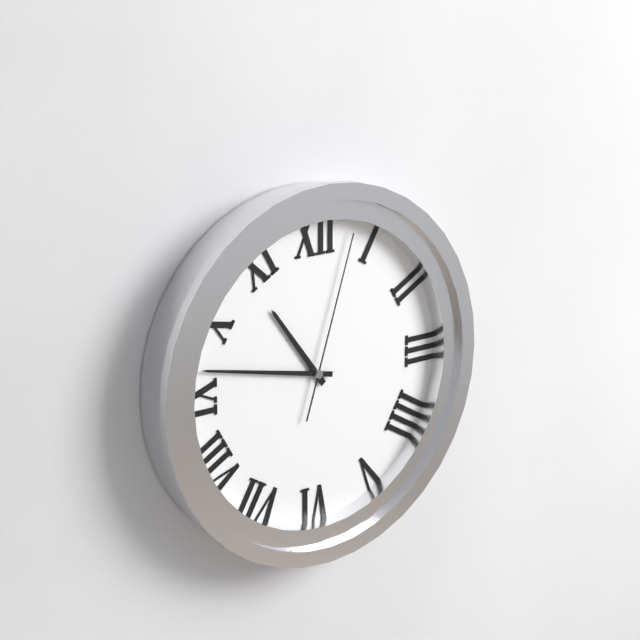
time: **10:47:03**
